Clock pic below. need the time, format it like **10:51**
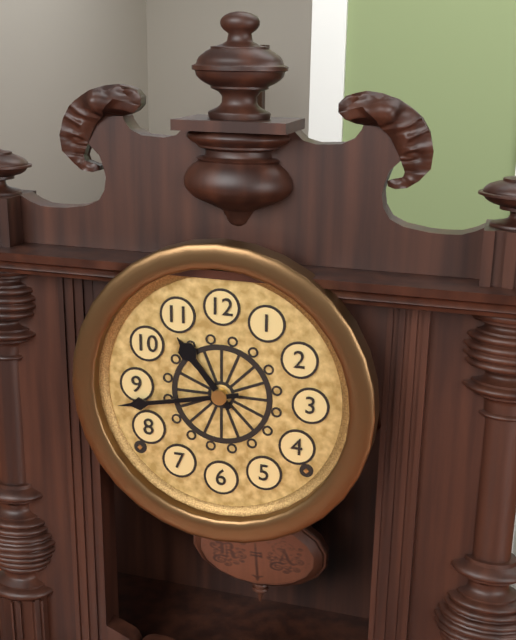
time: **10:43**
